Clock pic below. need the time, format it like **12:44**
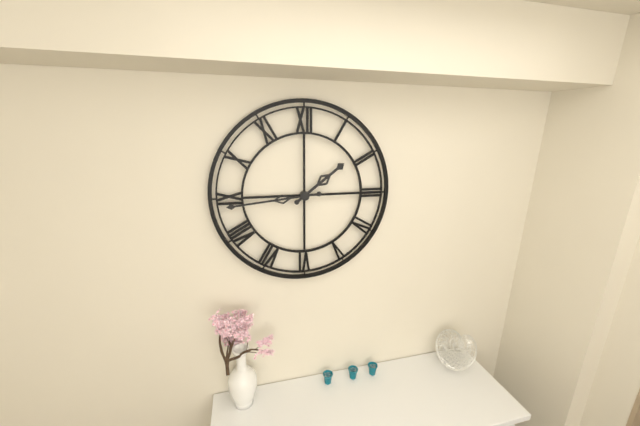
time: **1:44**
